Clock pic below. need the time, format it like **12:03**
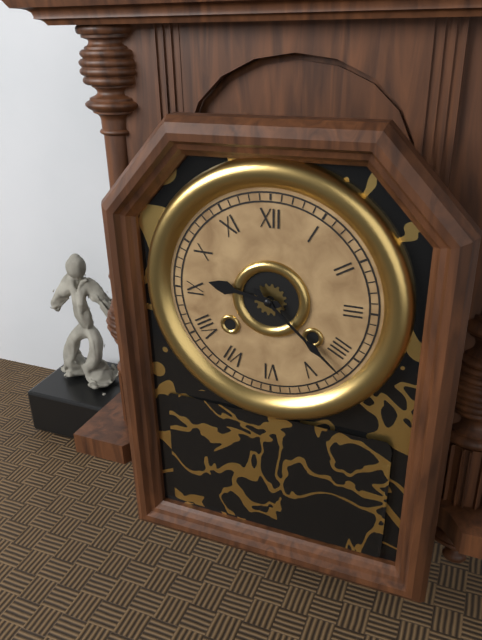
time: **9:22**
